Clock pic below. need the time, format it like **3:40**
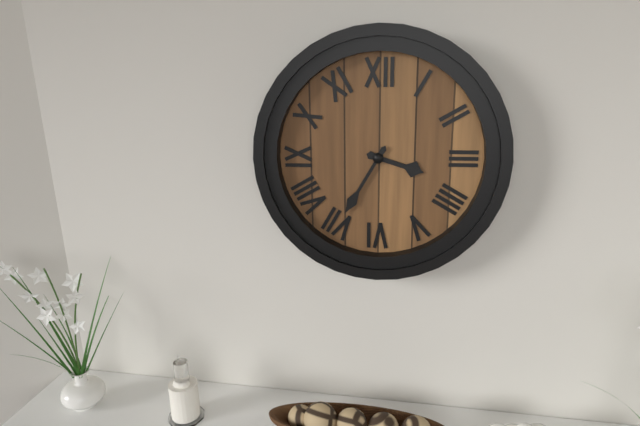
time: **3:35**
